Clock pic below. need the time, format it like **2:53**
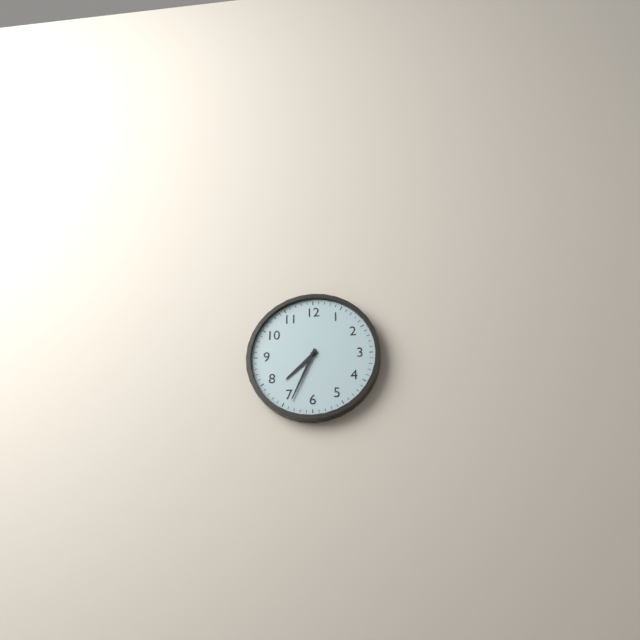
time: **7:34**
